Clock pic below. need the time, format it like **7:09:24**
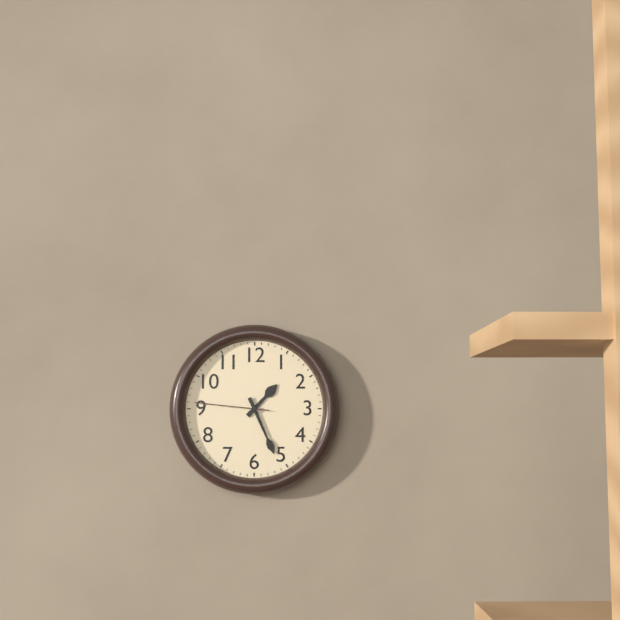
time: **1:26:46**
